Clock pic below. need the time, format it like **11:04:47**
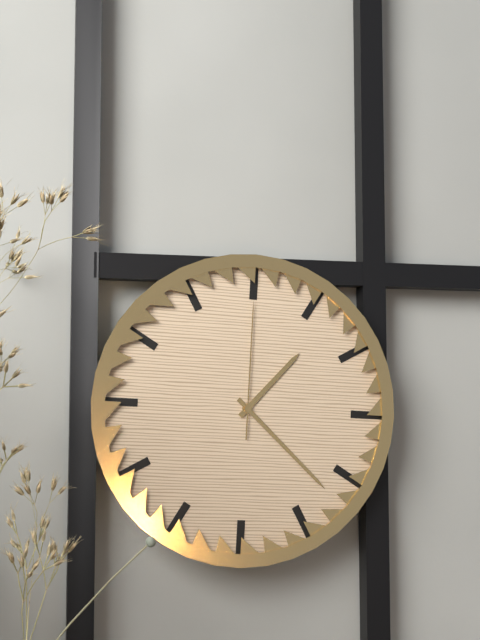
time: **1:22:00**
